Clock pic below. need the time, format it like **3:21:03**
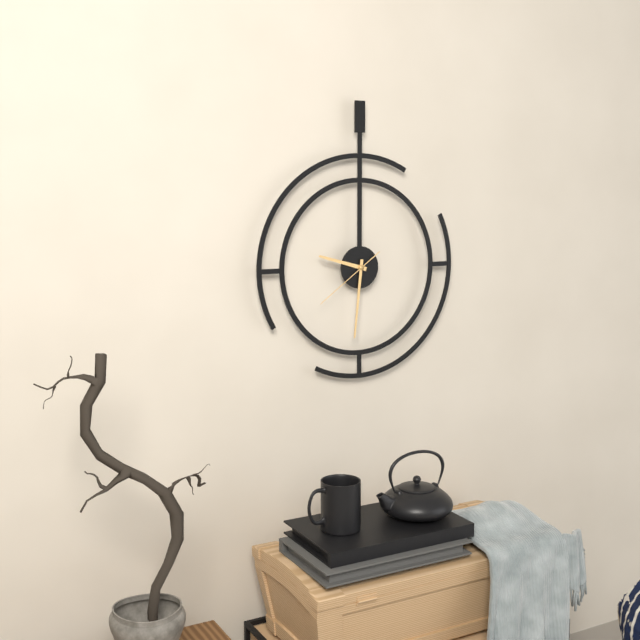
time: **9:31:39**
